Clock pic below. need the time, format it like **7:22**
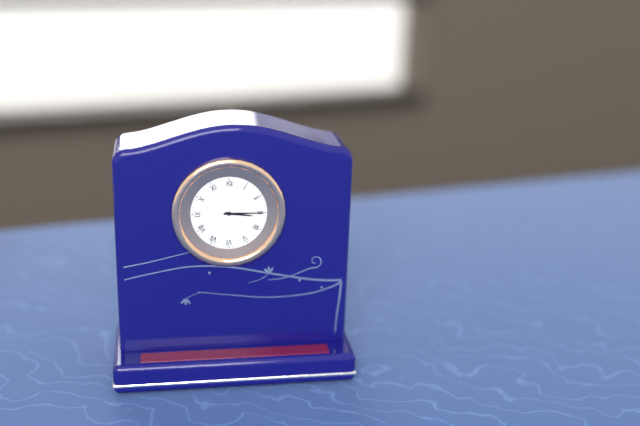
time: **3:15**
